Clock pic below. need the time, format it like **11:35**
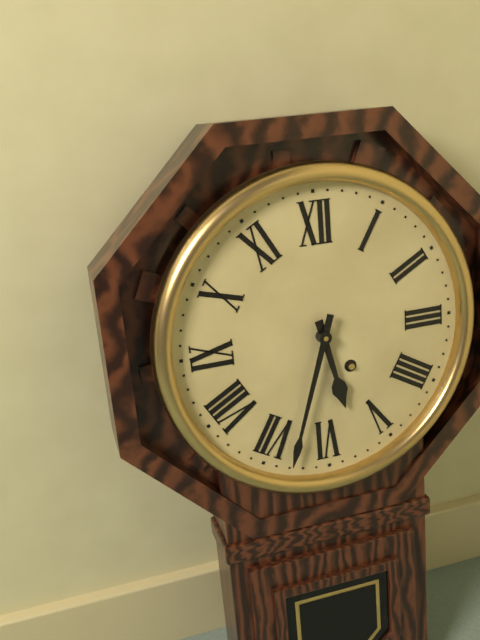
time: **5:33**
